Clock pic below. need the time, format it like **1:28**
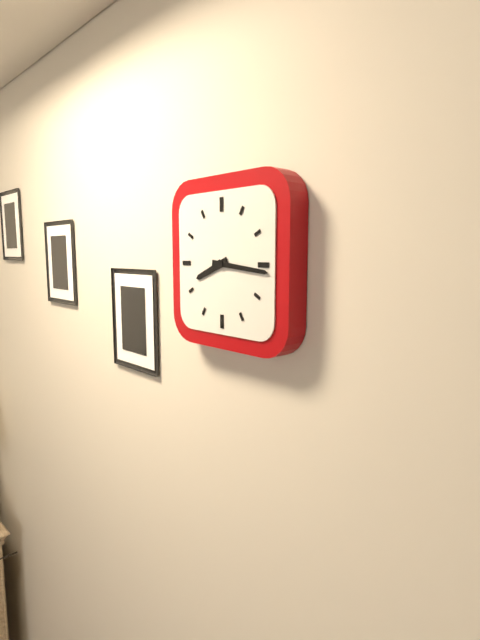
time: **8:16**
